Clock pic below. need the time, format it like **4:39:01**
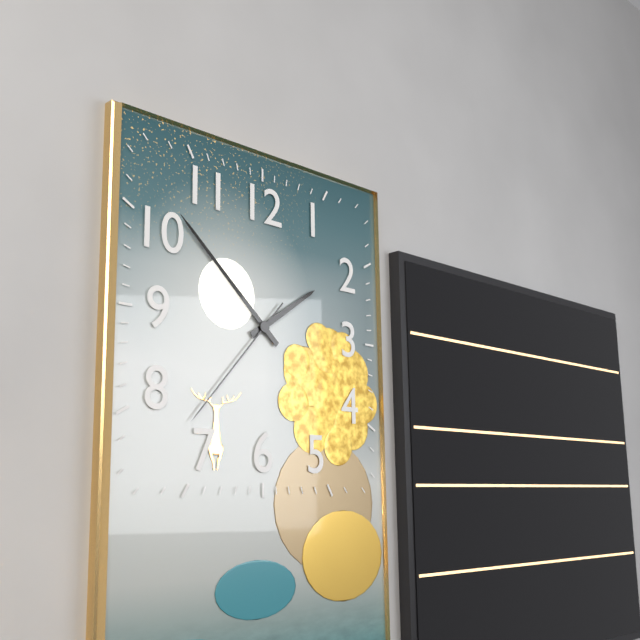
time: **1:52:37**
